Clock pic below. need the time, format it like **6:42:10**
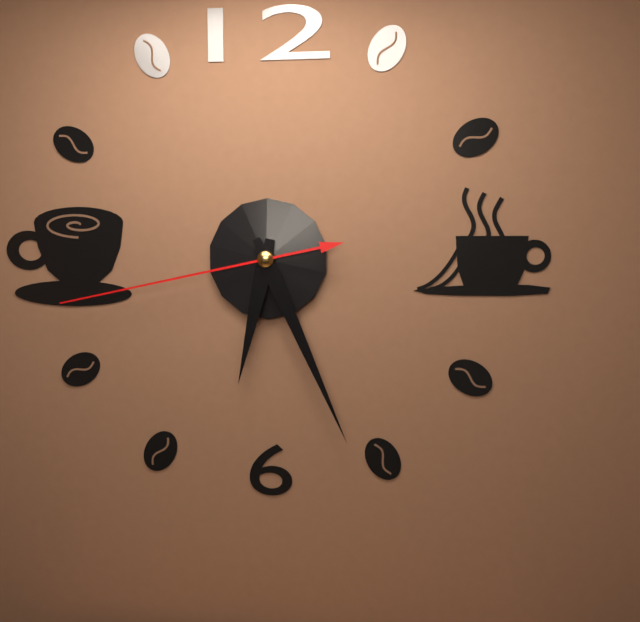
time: **6:26:43**
